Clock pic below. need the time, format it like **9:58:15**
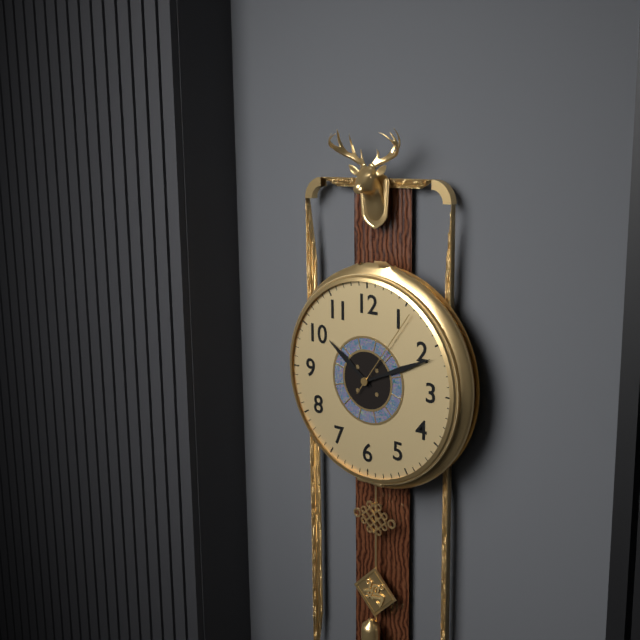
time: **10:11:06**
